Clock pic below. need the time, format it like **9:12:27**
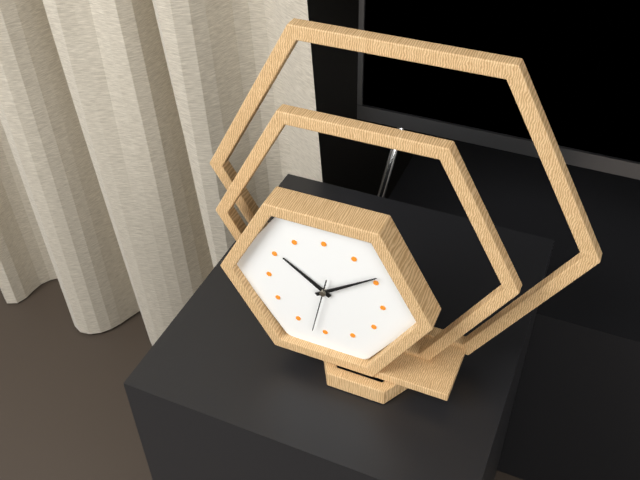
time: **10:09:32**
